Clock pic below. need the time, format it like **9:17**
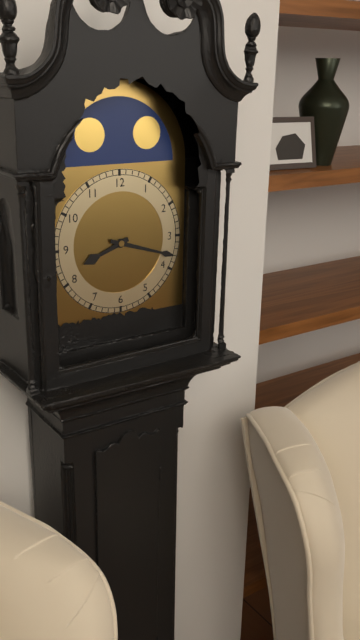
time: **8:18**
